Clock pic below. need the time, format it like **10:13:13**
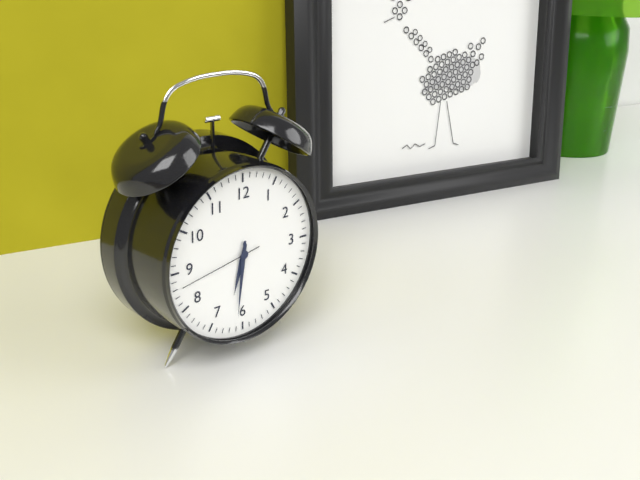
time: **6:31:43**
